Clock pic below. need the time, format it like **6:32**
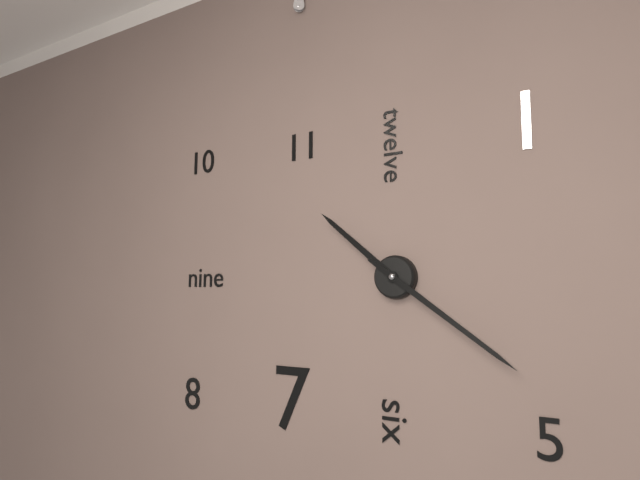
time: **10:21**
